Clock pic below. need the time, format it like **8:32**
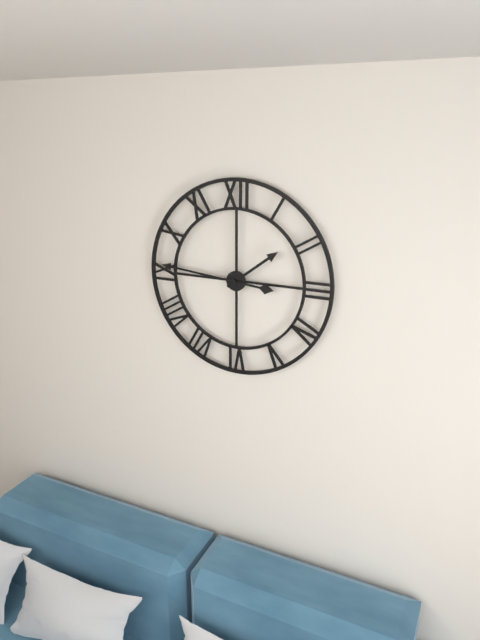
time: **1:46**
